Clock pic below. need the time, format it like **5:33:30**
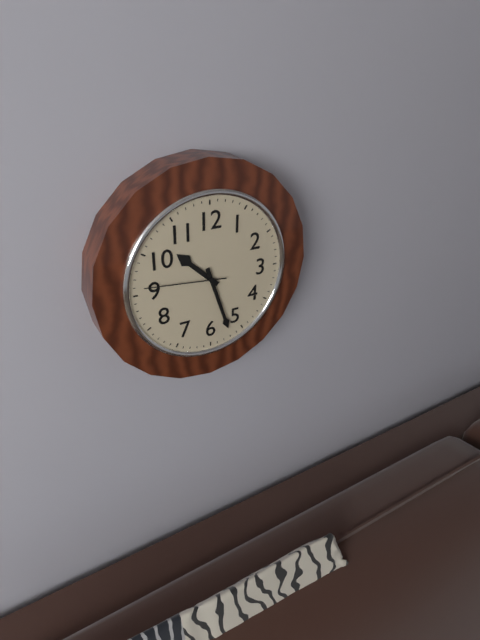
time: **10:27:46**
